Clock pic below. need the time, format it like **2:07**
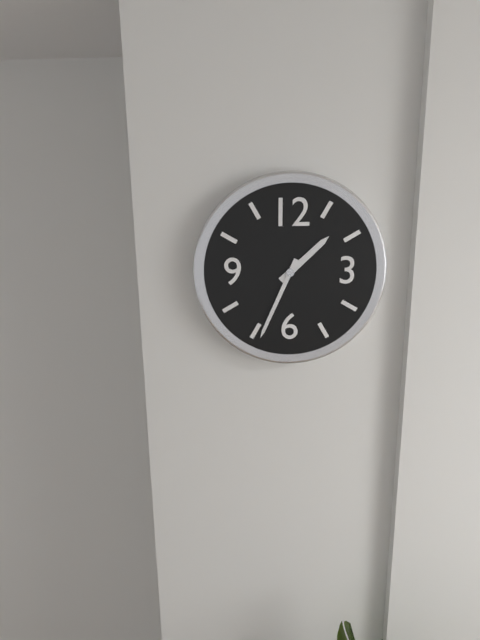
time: **1:34**
